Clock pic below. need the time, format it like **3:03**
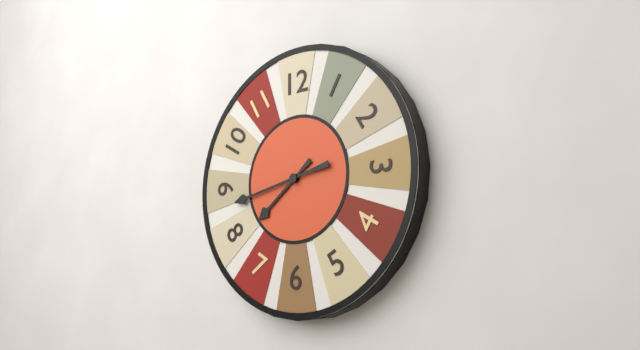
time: **7:43**
